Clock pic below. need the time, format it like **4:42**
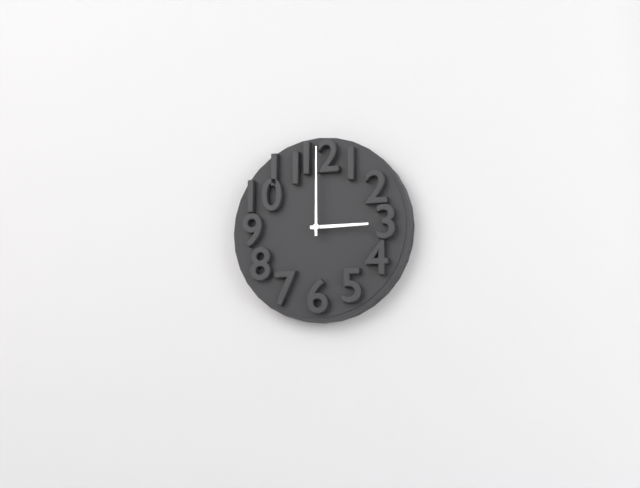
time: **3:00**
